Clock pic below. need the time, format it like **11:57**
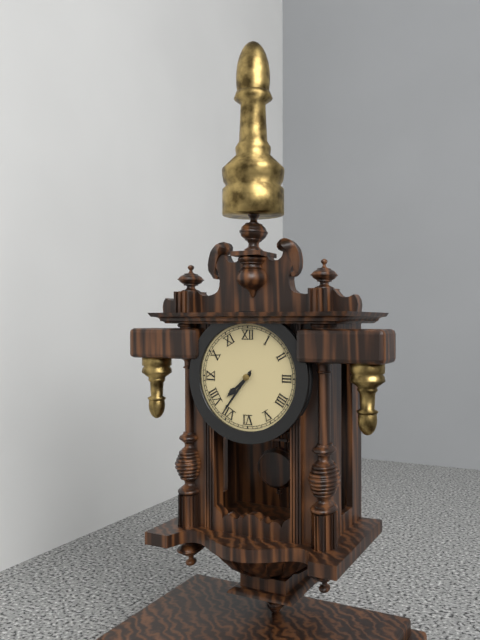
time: **7:36**
